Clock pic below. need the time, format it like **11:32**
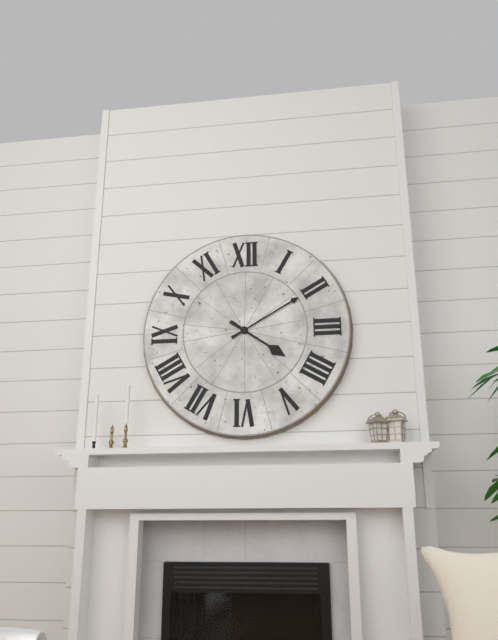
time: **4:10**
